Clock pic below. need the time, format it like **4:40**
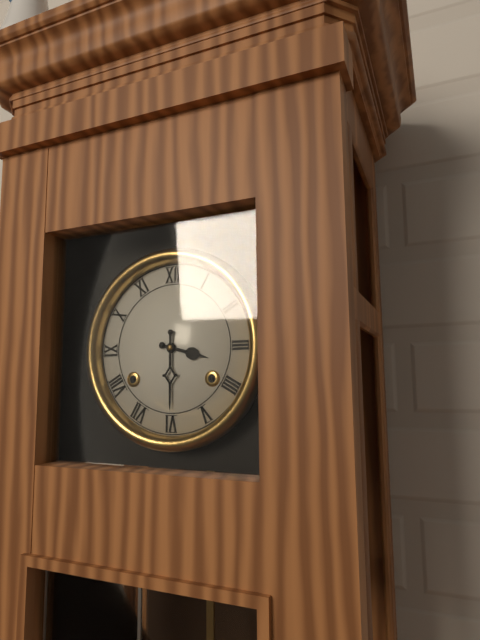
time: **3:30**
